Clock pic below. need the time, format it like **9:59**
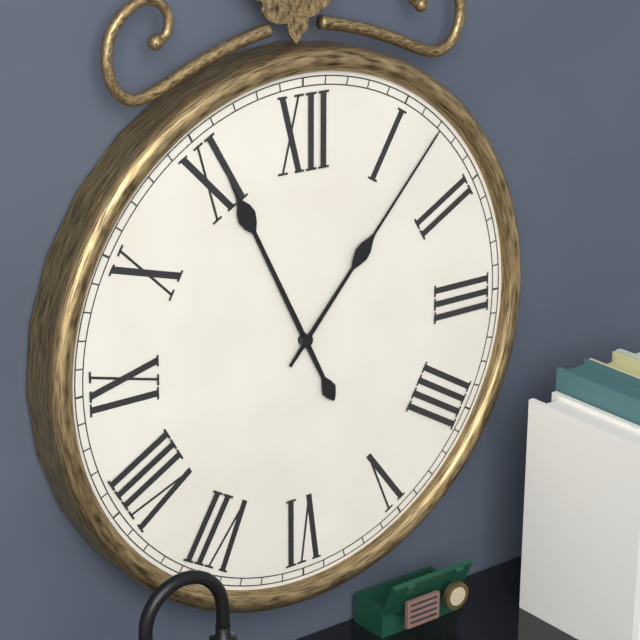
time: **11:07**
